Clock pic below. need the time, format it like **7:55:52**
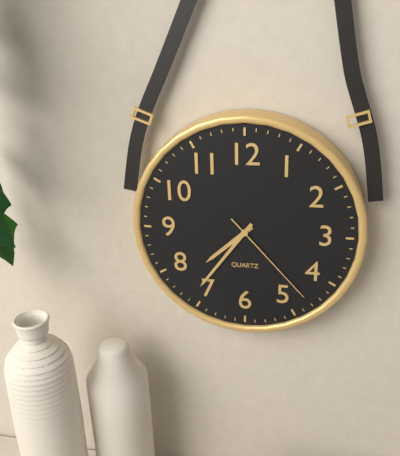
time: **7:36:23**
